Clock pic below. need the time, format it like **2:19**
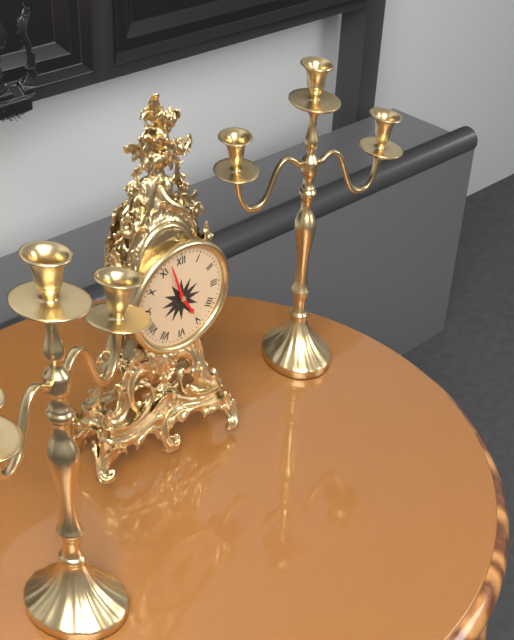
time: **4:57**
